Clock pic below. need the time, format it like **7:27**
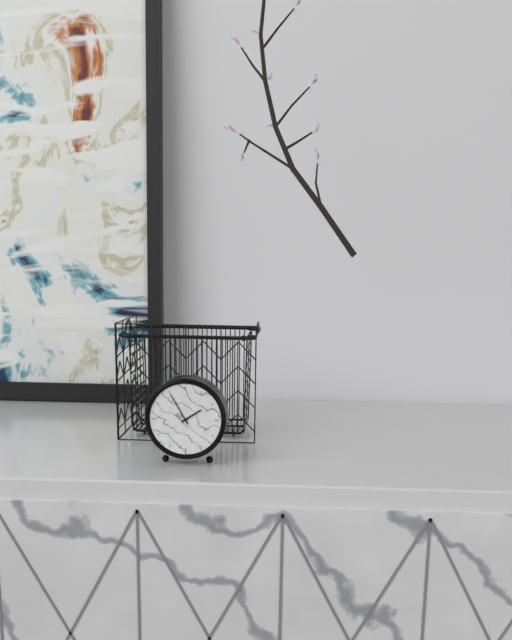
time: **1:55**
